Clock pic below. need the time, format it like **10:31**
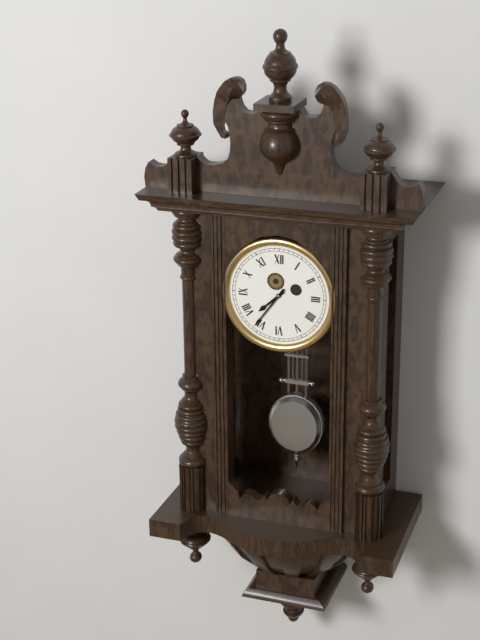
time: **7:36**
